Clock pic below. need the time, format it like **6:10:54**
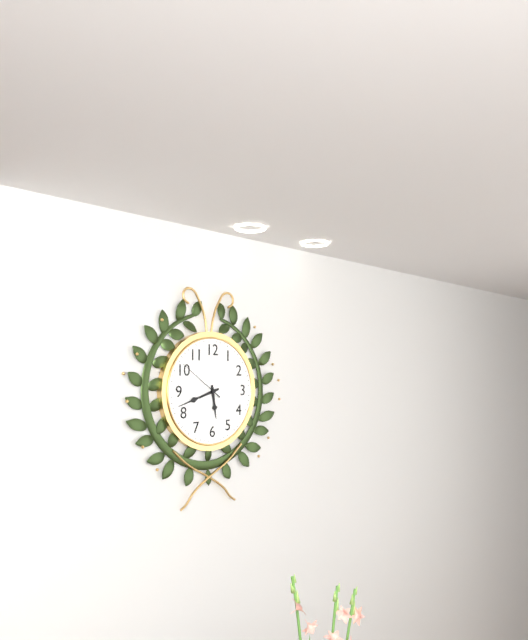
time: **5:42:51**
